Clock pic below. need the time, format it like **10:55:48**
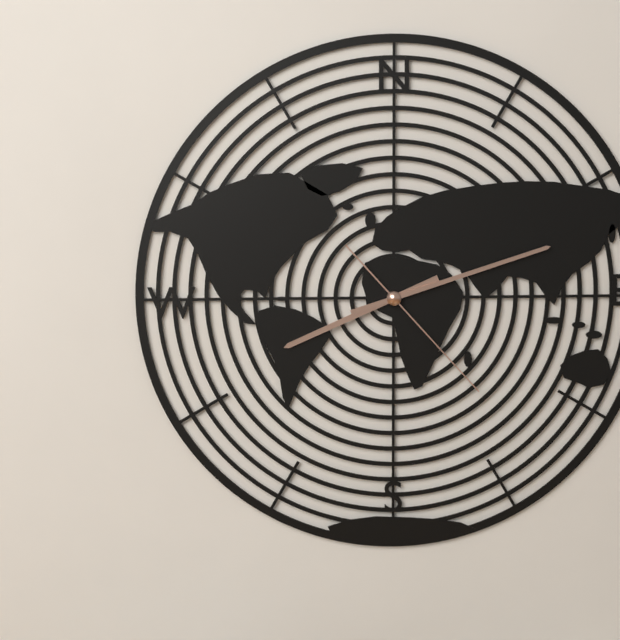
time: **8:12:23**
